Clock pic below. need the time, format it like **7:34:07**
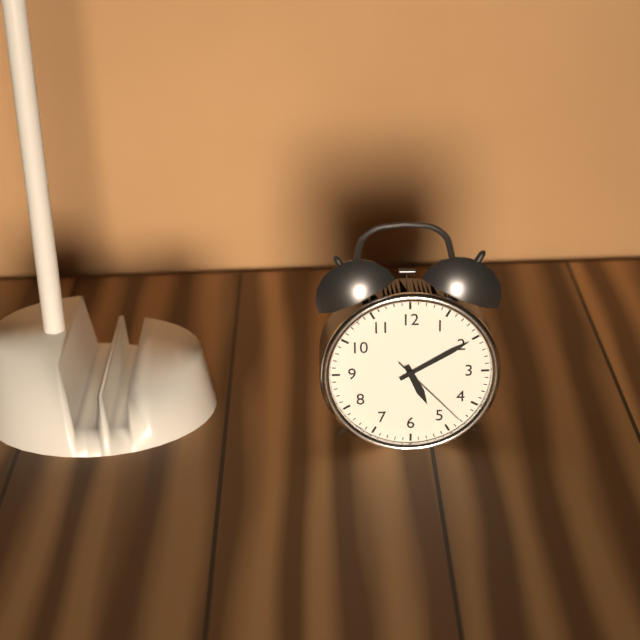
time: **5:10:23**
